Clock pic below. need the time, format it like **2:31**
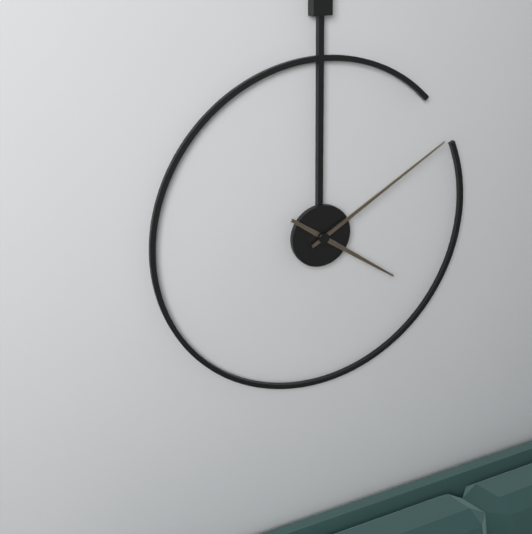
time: **4:10**
